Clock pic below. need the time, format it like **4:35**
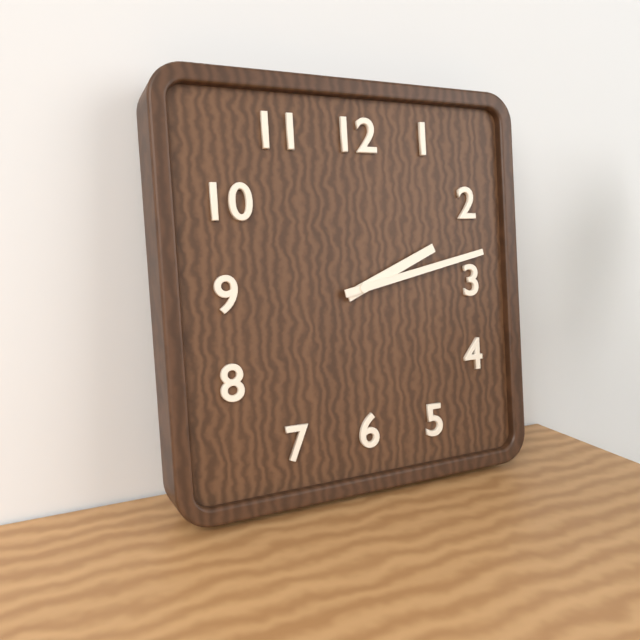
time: **2:13**
